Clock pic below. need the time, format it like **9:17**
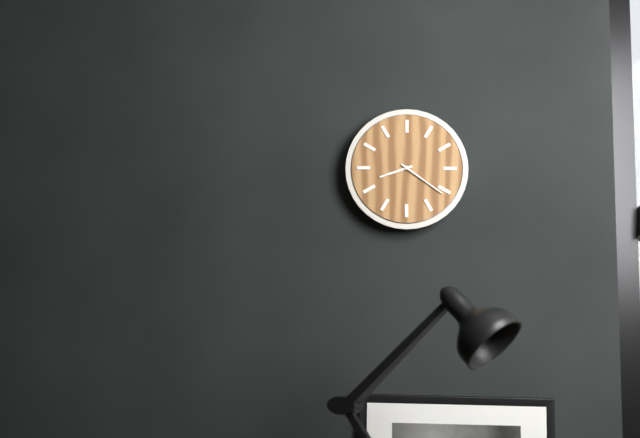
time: **8:21**
